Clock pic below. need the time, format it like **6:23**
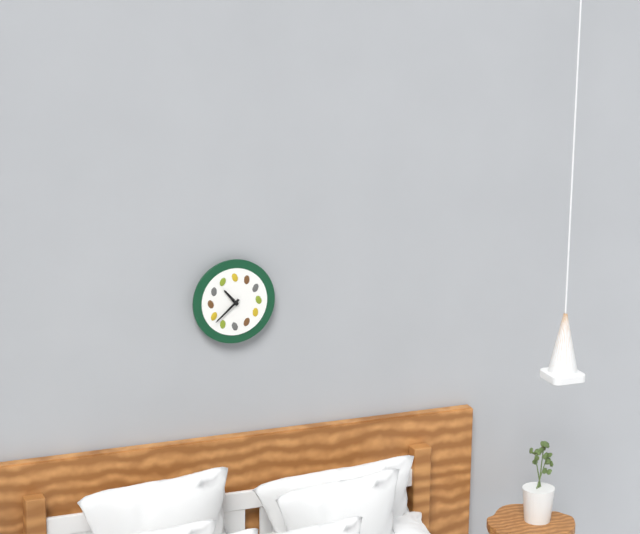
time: **10:38**
